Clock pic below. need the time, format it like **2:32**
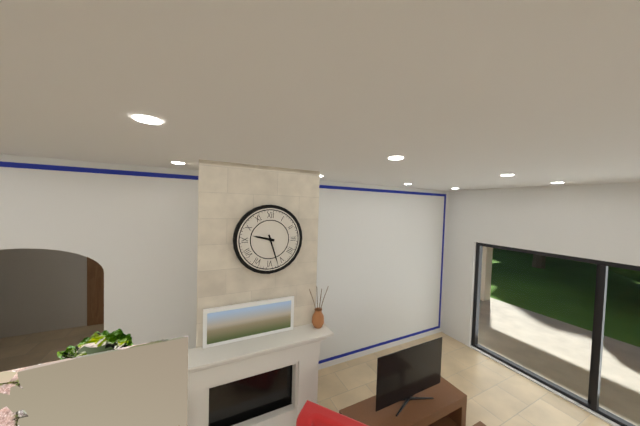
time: **9:27**
